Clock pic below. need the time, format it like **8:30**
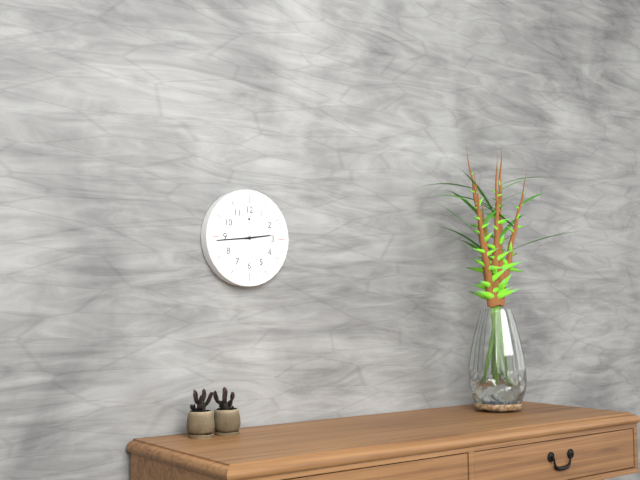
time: **2:44**
